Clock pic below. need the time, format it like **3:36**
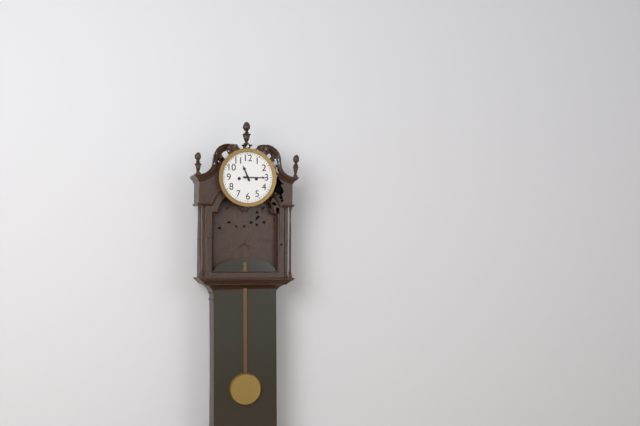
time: **11:15**
